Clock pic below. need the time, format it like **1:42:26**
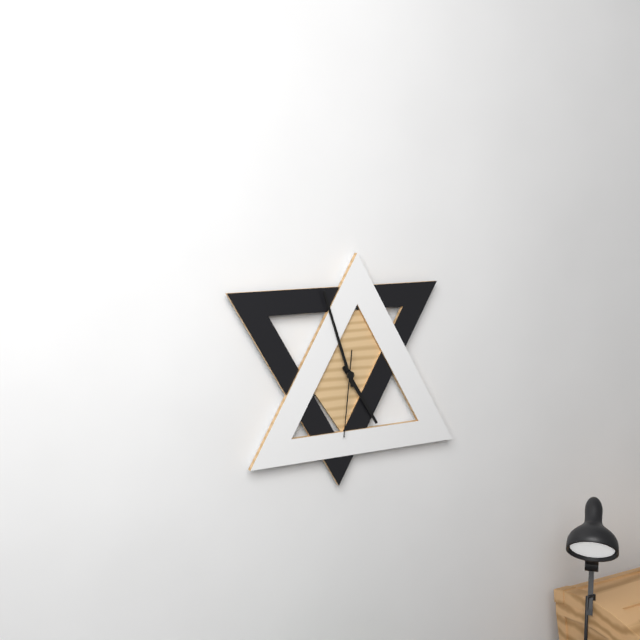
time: **4:57:31**
